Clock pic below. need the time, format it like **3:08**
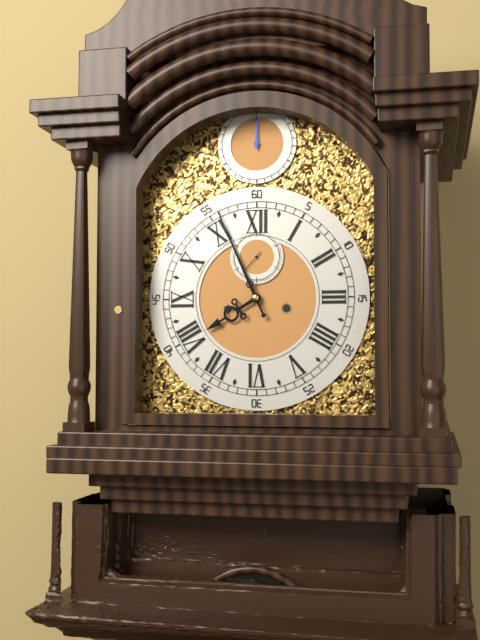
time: **7:56**
